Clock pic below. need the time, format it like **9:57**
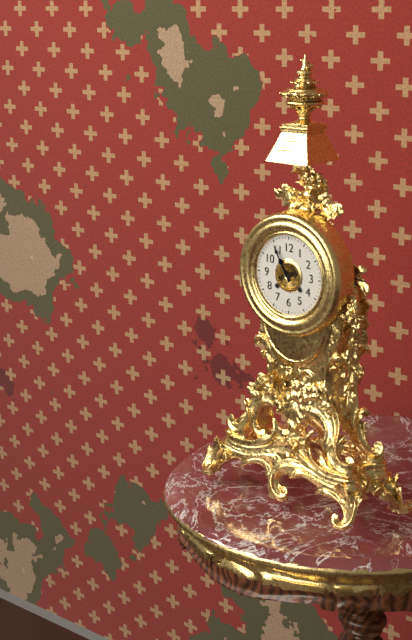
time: **10:55**
